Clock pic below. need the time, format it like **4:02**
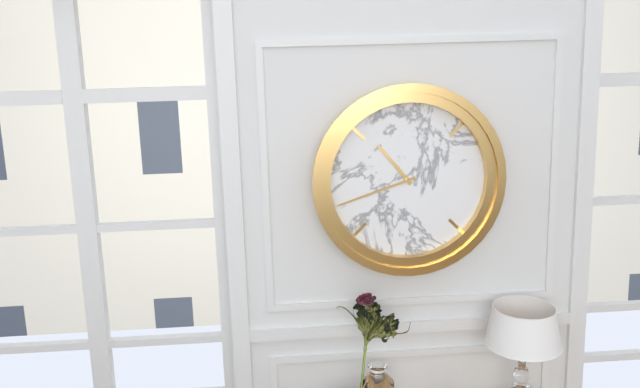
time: **10:42**
